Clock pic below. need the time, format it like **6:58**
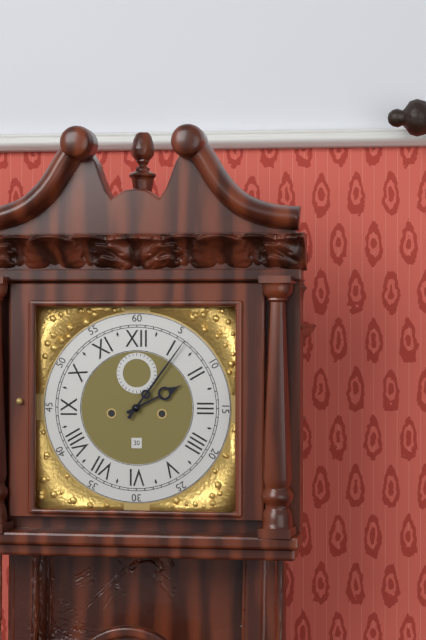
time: **2:06**
